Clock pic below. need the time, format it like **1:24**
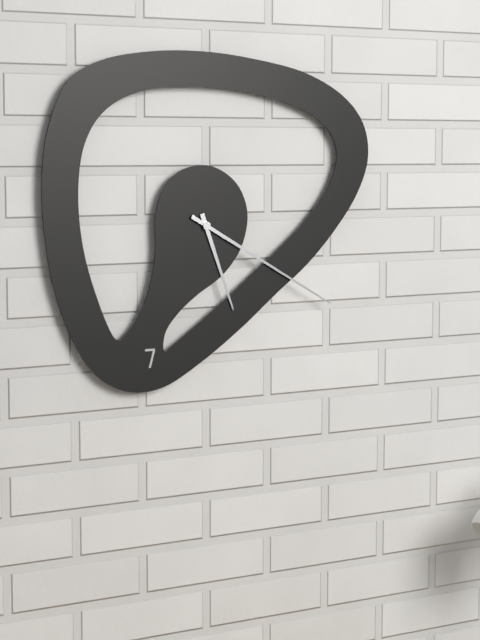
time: **5:20**
